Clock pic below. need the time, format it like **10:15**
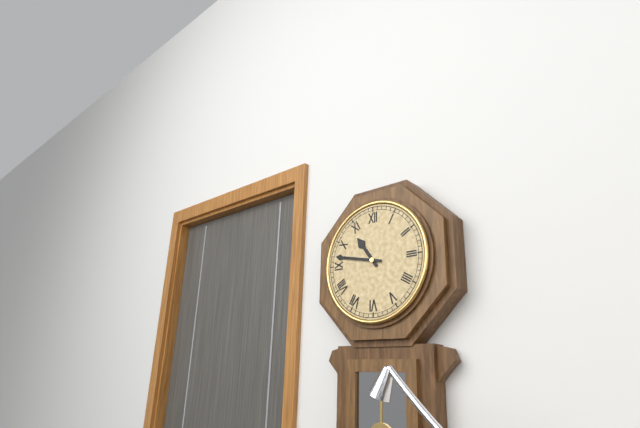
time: **10:47**
